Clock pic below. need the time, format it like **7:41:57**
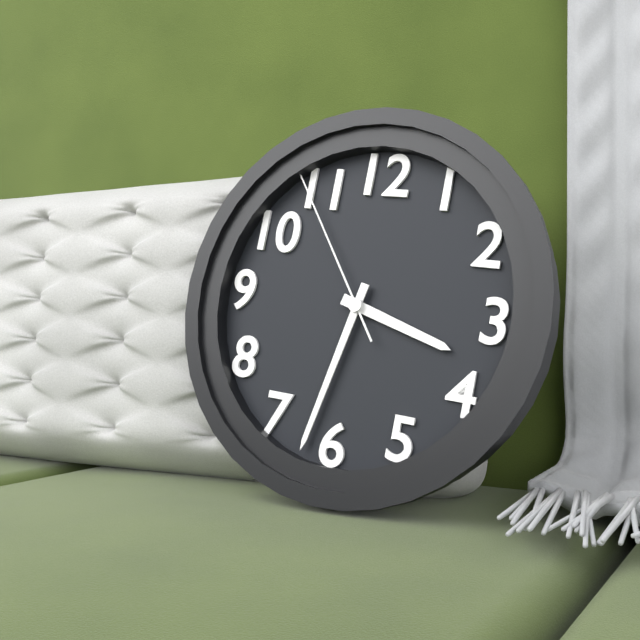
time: **3:32:54**
